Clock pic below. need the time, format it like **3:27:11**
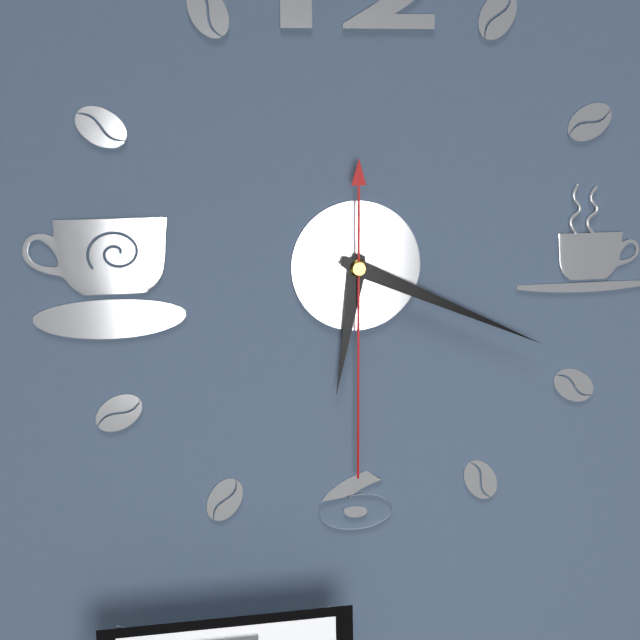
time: **6:19:30**
